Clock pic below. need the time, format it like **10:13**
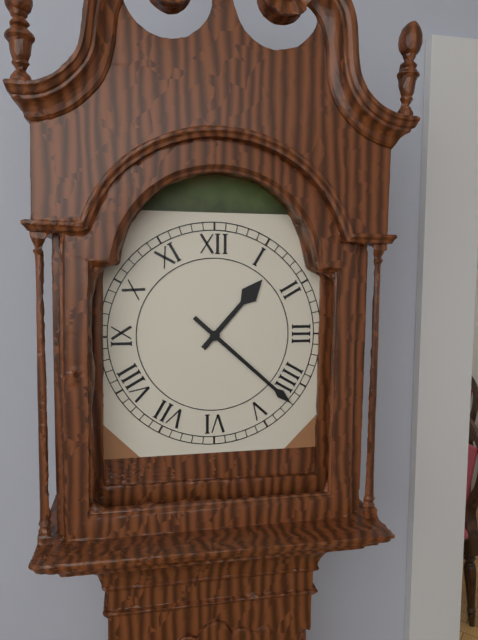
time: **1:22**
